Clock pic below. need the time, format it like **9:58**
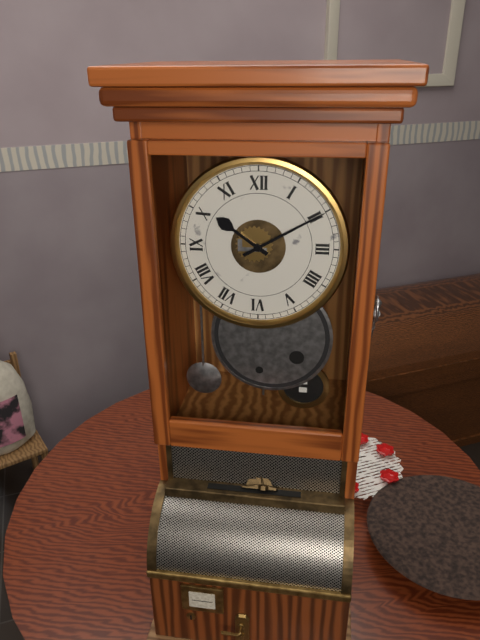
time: **10:10**
